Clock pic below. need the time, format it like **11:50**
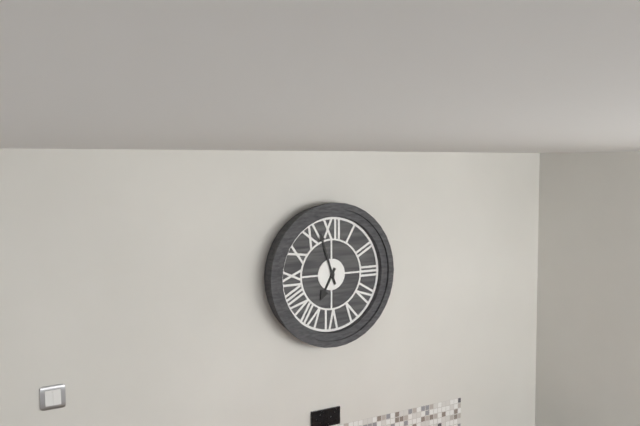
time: **6:57**
